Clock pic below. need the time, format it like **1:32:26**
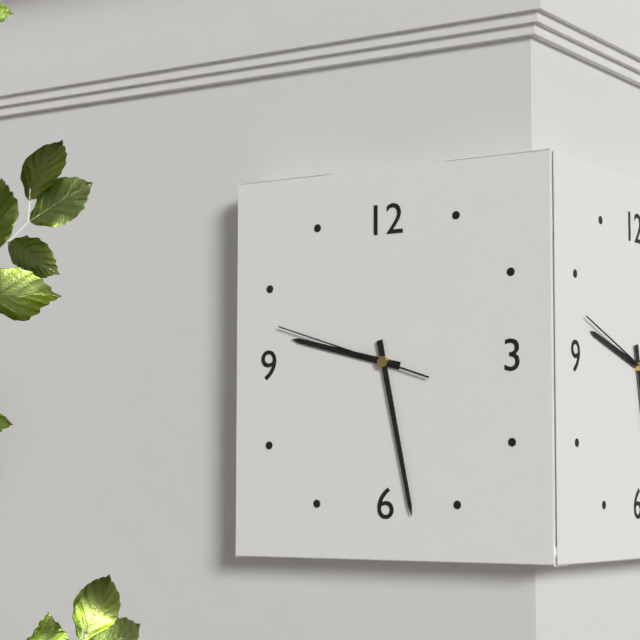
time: **9:28:48**
